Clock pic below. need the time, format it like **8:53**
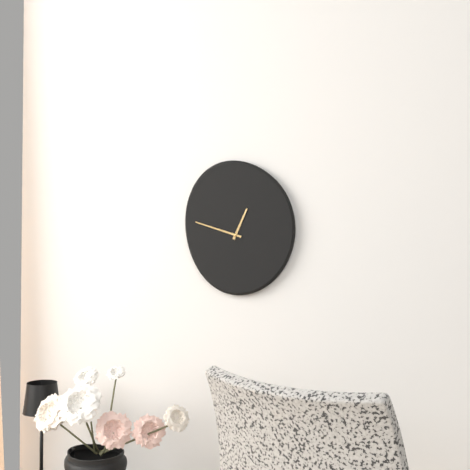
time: **12:48**
